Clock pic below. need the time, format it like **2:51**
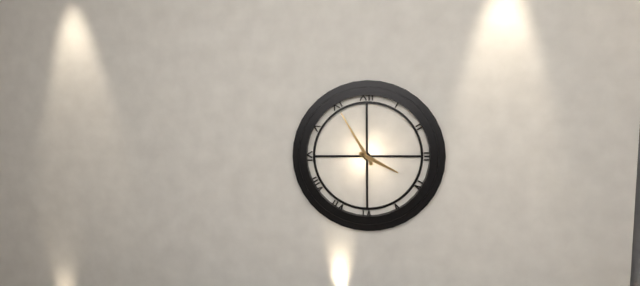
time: **3:55**
